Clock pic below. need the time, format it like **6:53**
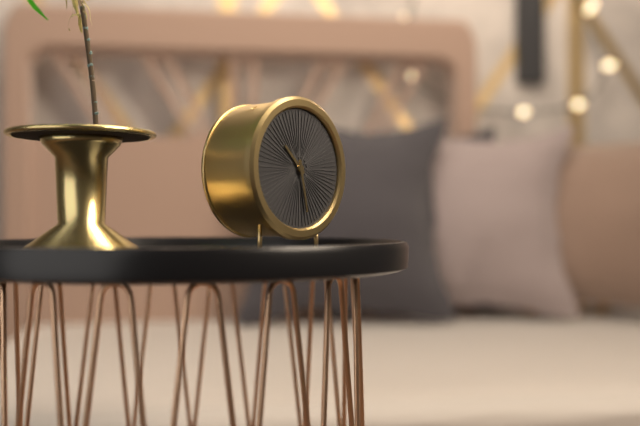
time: **10:28**
